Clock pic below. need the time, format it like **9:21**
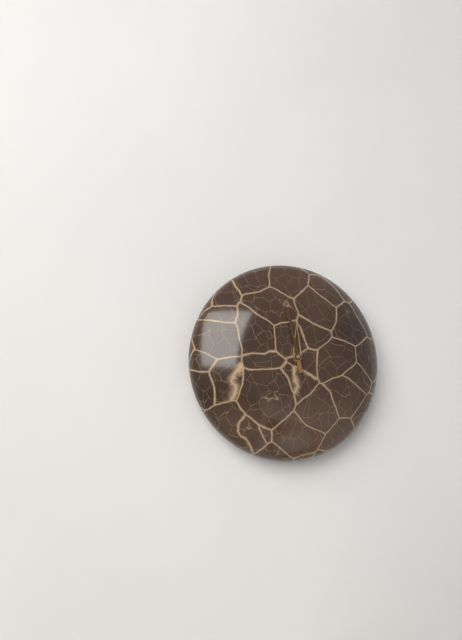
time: **11:58**
